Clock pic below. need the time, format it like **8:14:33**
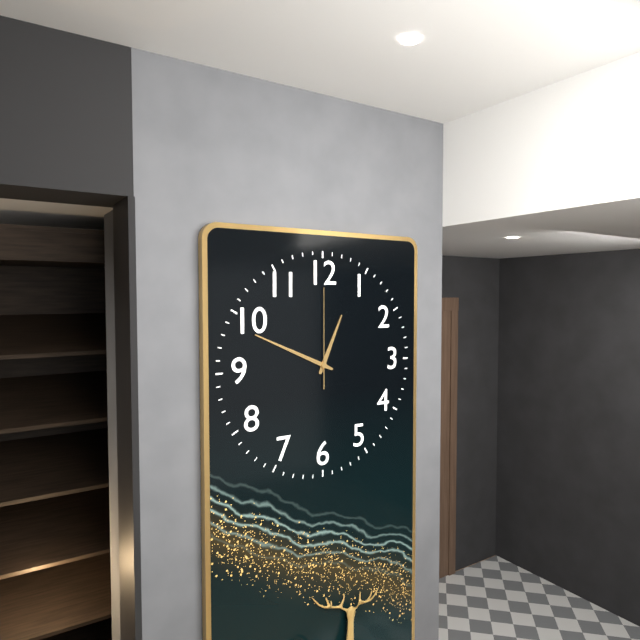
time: **12:49:00**
